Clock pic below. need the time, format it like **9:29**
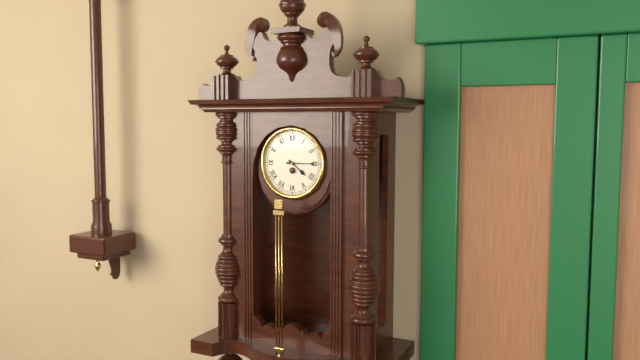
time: **4:15**
